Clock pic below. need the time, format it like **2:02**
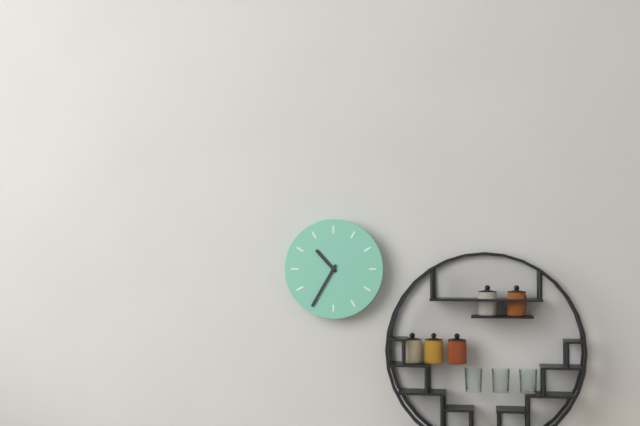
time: **10:35**
